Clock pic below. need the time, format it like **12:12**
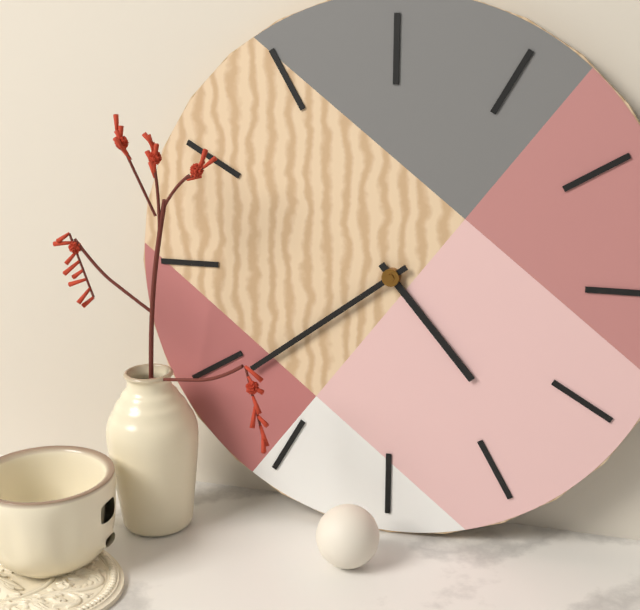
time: **4:39**
